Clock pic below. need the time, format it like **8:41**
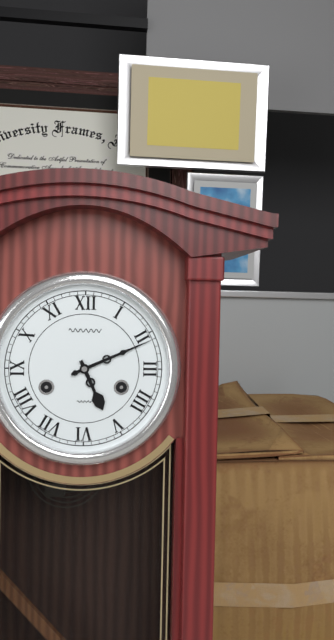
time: **5:11**
